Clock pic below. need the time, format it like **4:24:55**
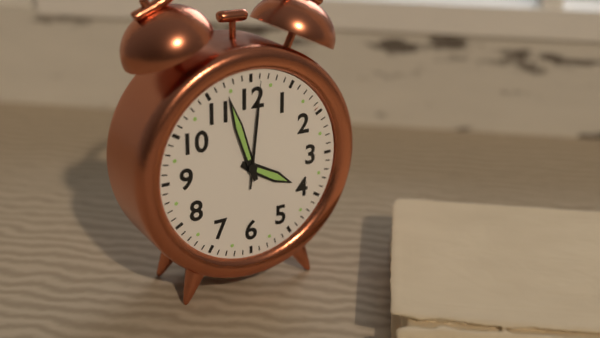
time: **3:57:01**
